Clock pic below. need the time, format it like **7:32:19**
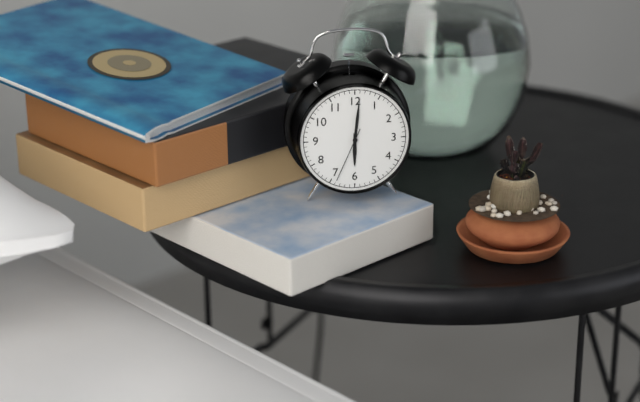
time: **6:01:34**
